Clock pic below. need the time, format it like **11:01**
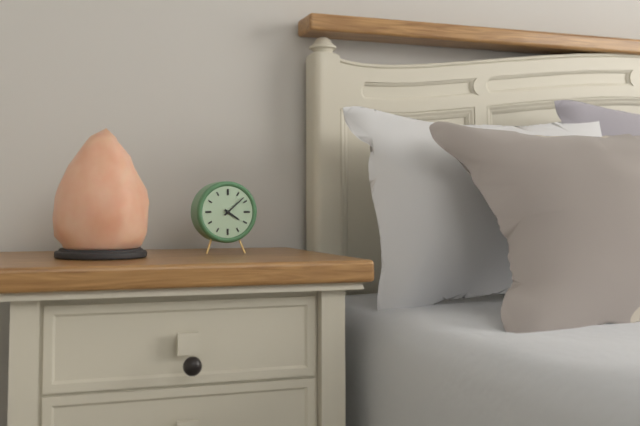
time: **4:08**
